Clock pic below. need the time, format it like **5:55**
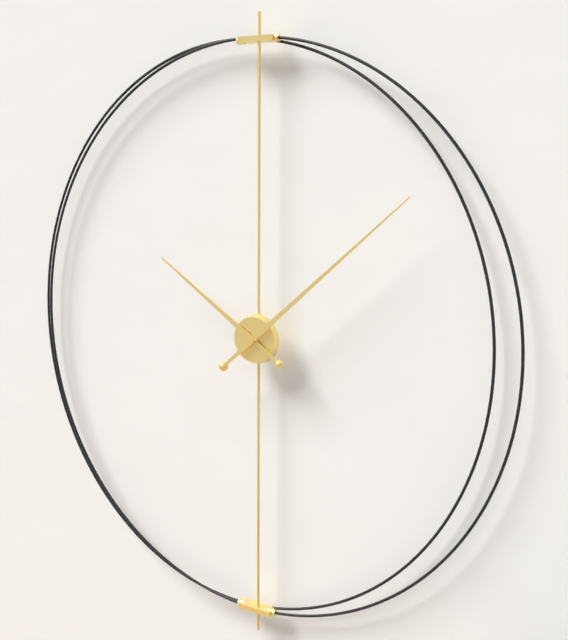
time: **10:08**
